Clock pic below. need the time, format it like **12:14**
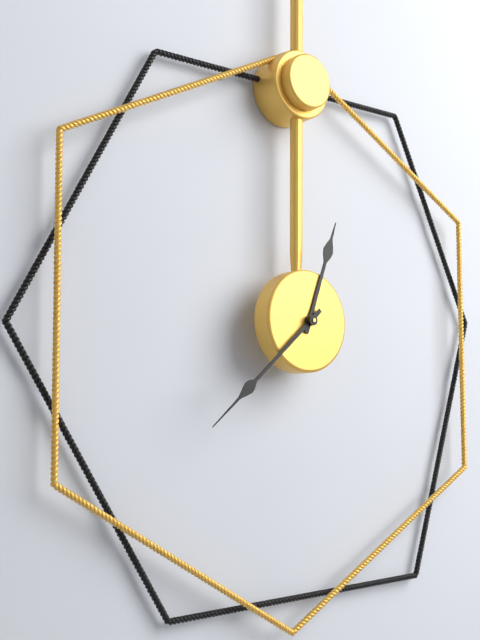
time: **12:38**
